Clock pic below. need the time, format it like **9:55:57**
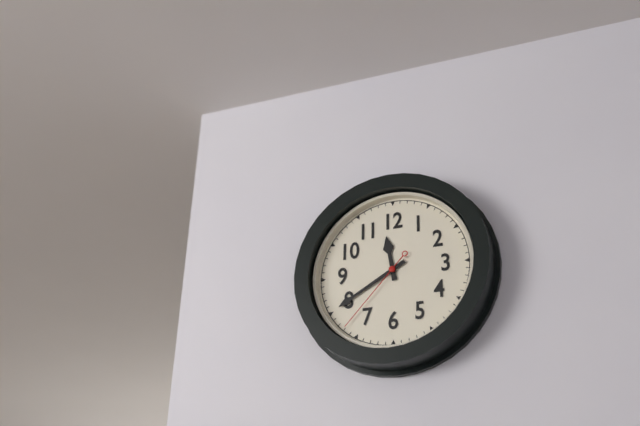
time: **11:40:37**
